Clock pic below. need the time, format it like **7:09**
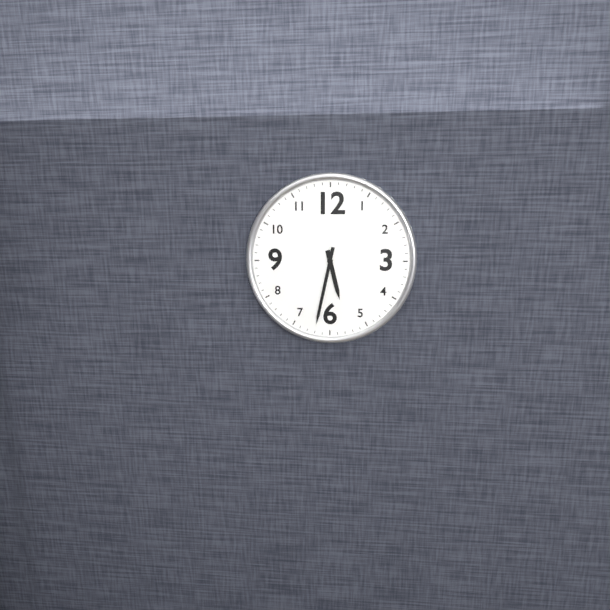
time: **5:32**
